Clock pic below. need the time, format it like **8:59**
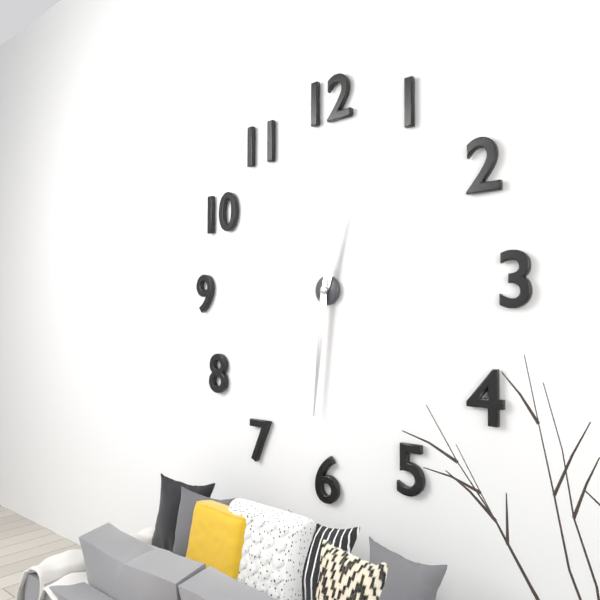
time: **12:31**
